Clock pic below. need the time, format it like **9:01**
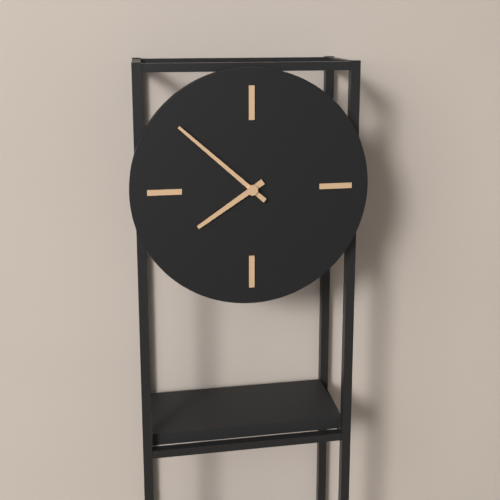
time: **7:52**
